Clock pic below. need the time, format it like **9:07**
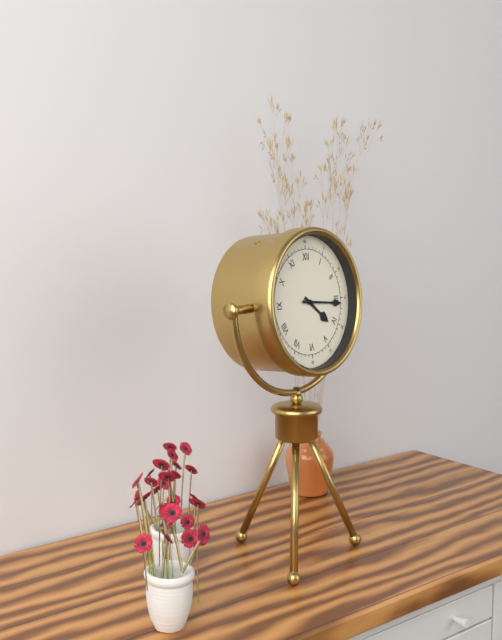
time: **4:16**
